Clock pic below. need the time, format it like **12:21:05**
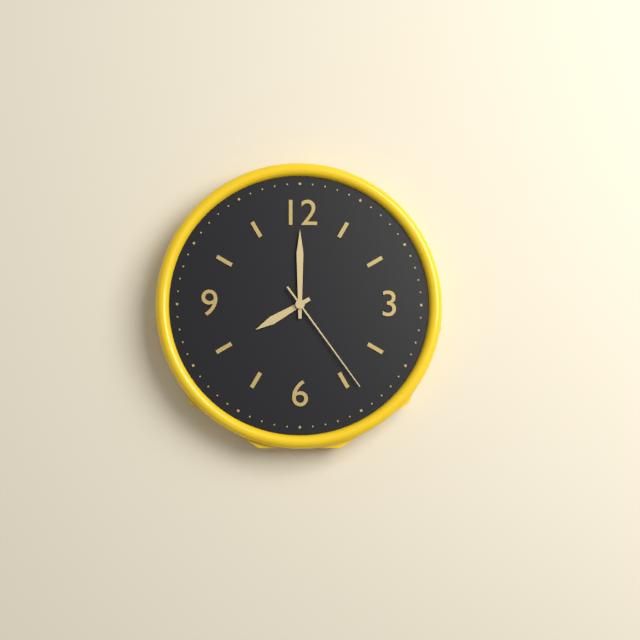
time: **8:00:24**
